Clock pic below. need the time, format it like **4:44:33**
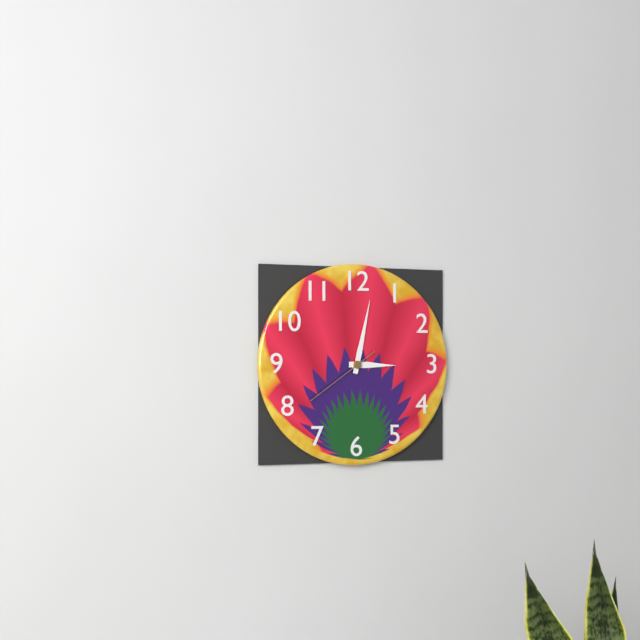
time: **3:02:39**
